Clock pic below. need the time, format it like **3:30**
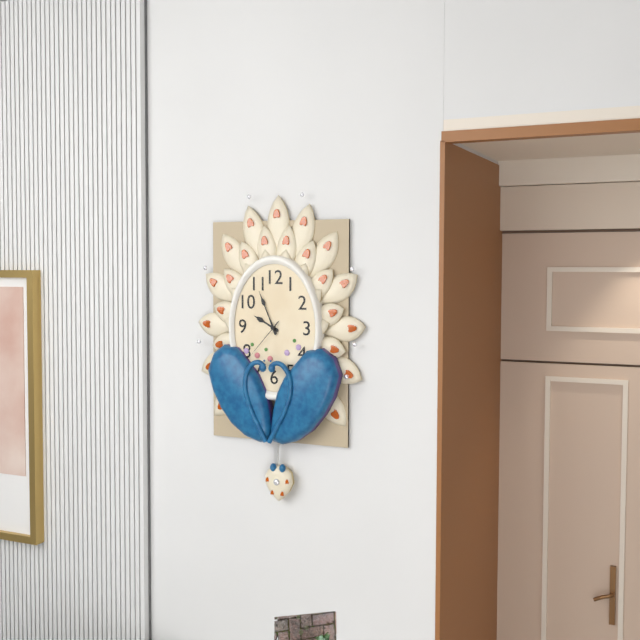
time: **9:56**
